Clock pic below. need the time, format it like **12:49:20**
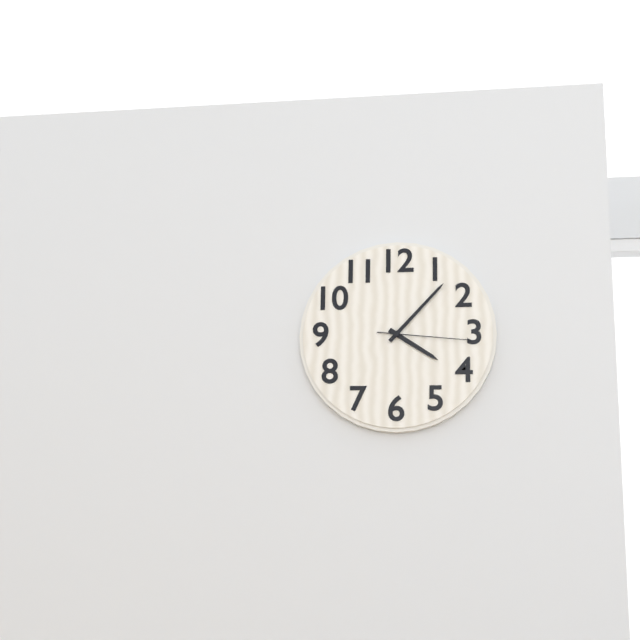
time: **4:07:16**
